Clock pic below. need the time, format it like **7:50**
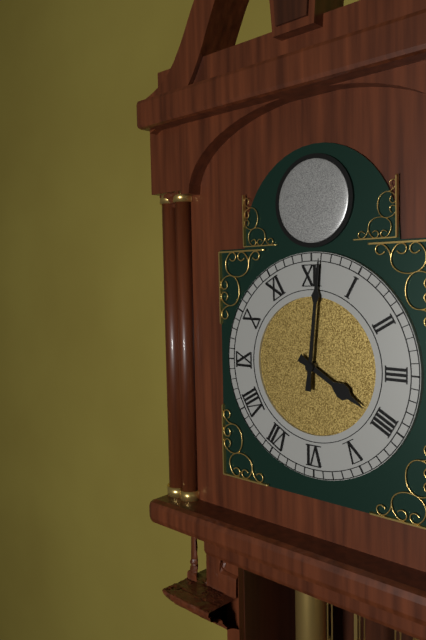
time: **4:01**
